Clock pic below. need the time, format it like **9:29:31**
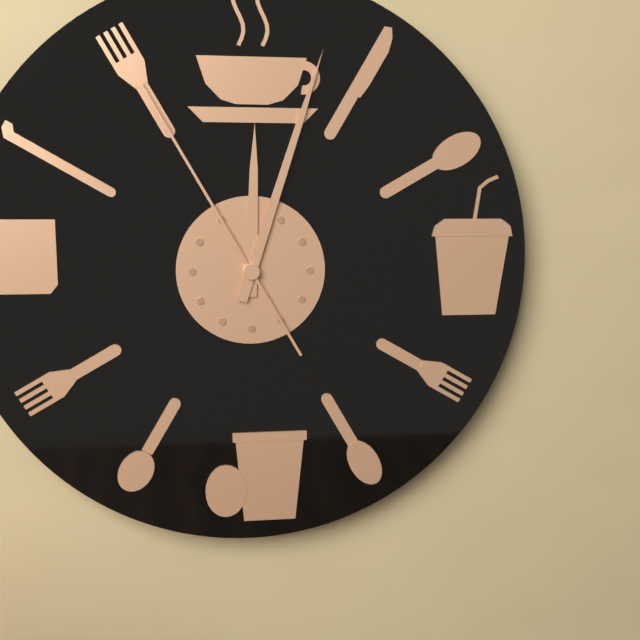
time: **12:03:55**
